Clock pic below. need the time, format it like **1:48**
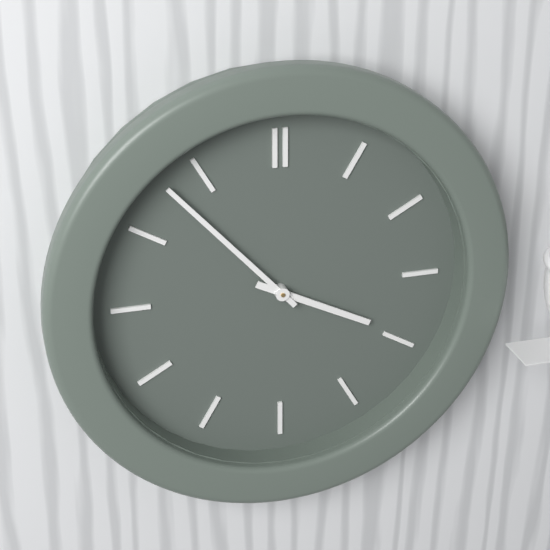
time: **3:53**
